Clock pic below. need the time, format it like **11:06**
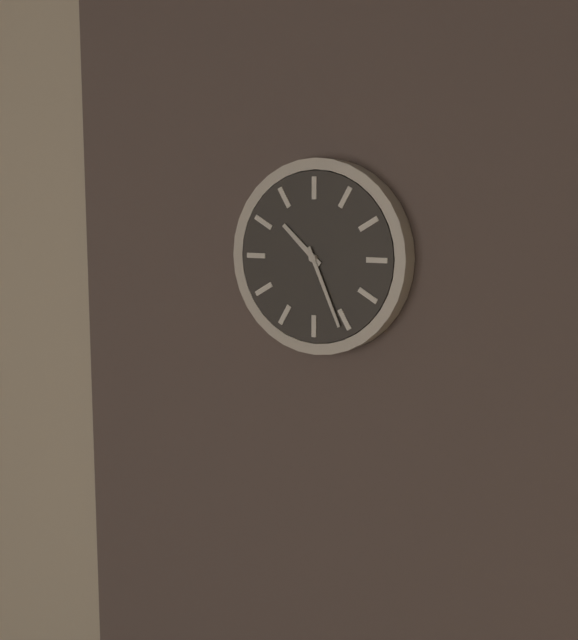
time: **10:26**
